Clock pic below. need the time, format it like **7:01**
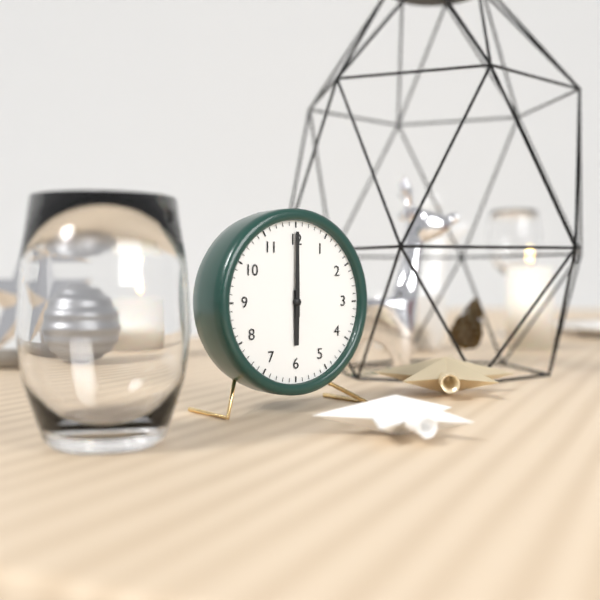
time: **6:00**
